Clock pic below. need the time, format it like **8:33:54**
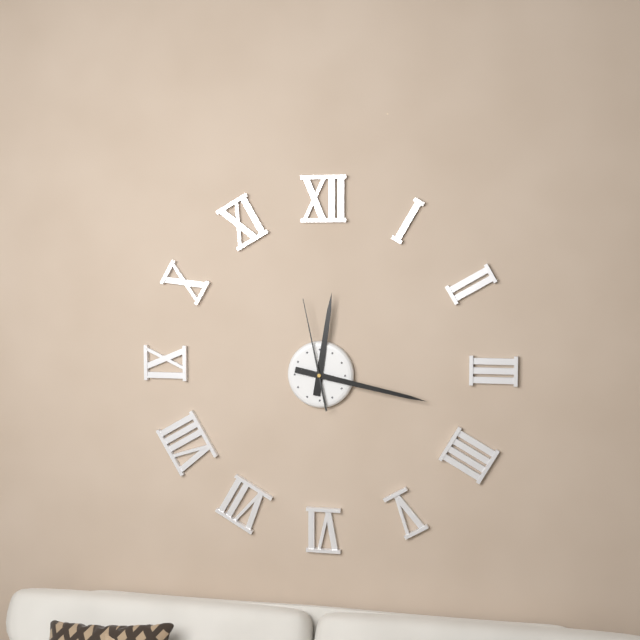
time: **12:17:58**
